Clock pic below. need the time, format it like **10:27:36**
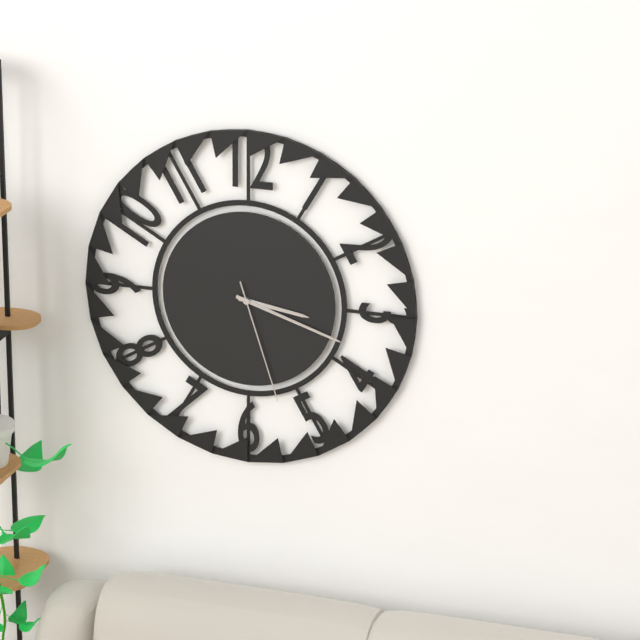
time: **3:18:27**
